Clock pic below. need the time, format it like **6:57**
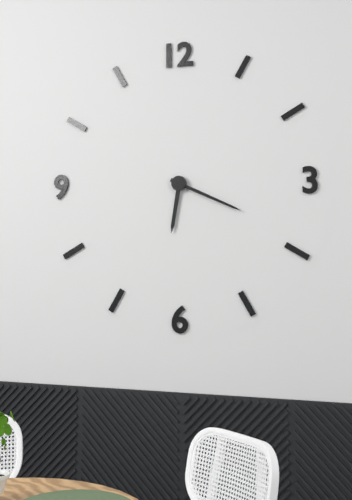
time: **6:19**
